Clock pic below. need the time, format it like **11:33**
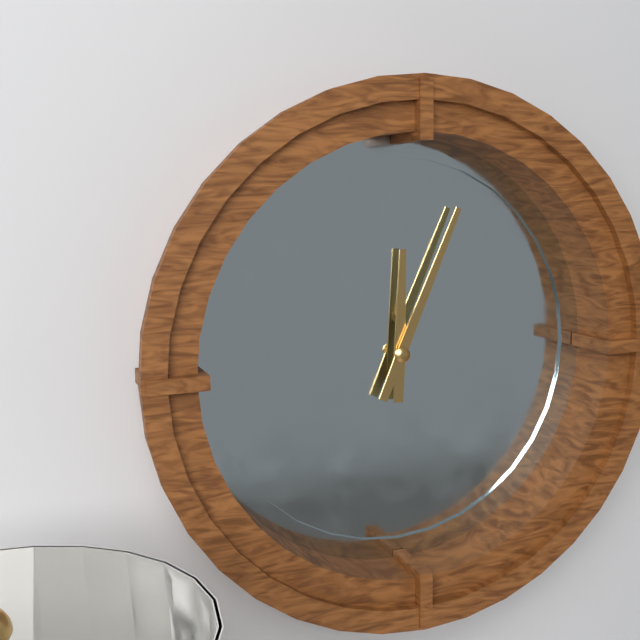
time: **12:04**
